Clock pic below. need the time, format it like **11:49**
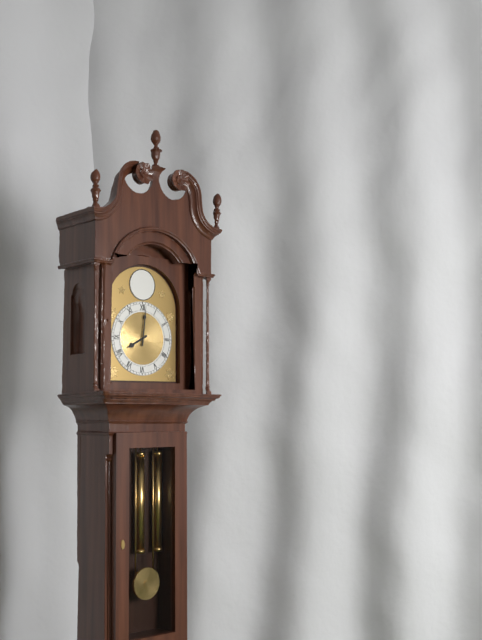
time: **8:01**
